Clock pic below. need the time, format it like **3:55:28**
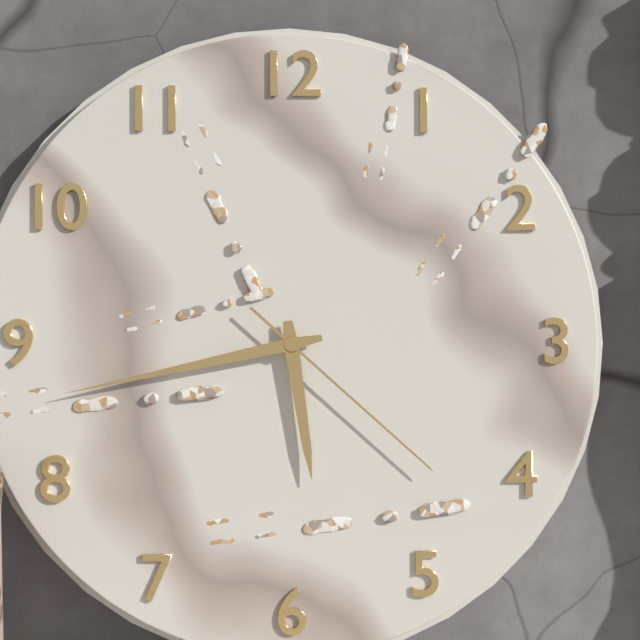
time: **5:43:22**
